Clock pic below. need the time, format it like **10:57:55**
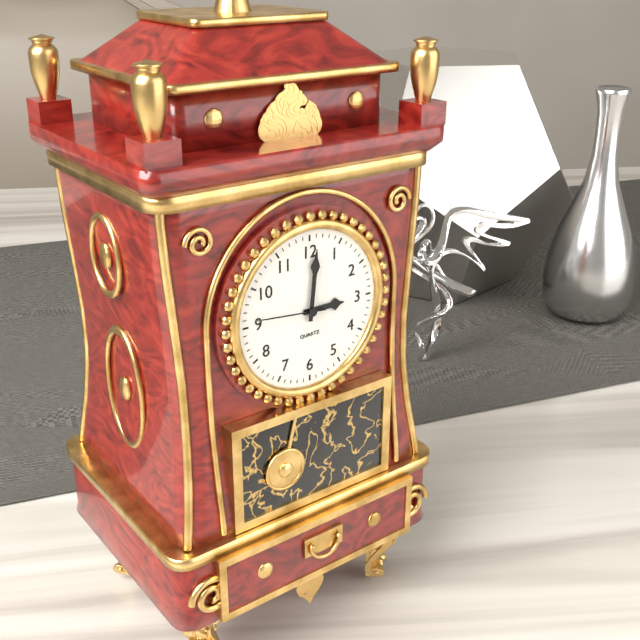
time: **3:01:46**
